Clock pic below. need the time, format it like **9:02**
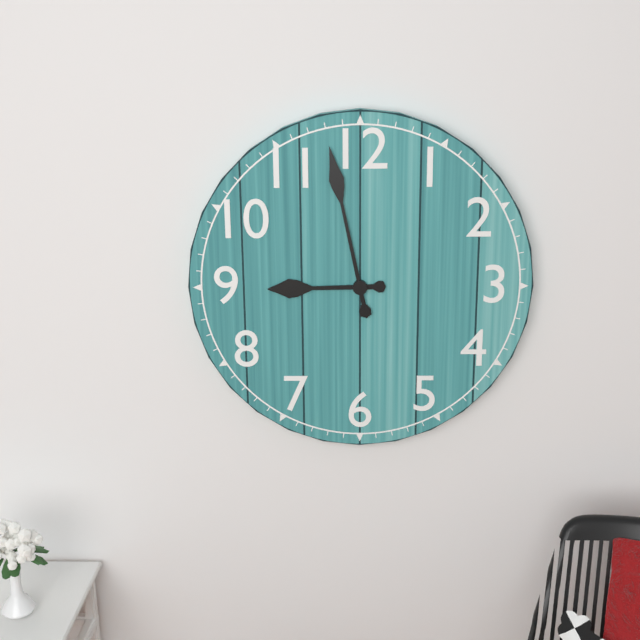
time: **8:58**
